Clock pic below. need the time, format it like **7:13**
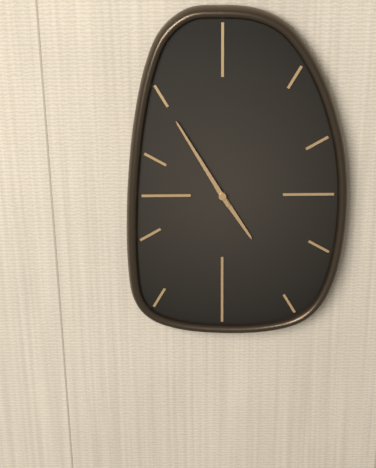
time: **4:55**
